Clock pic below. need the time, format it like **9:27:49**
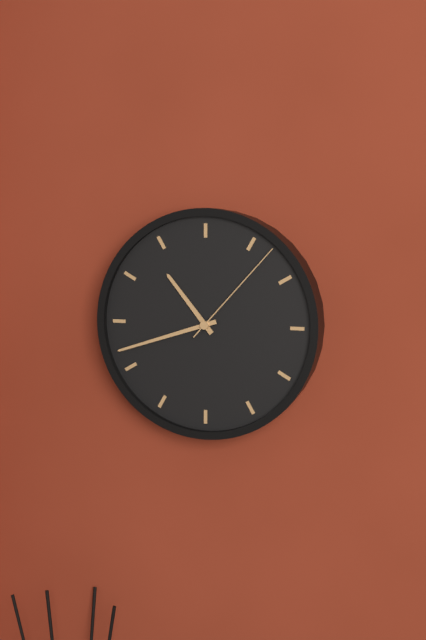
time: **10:42:07**
